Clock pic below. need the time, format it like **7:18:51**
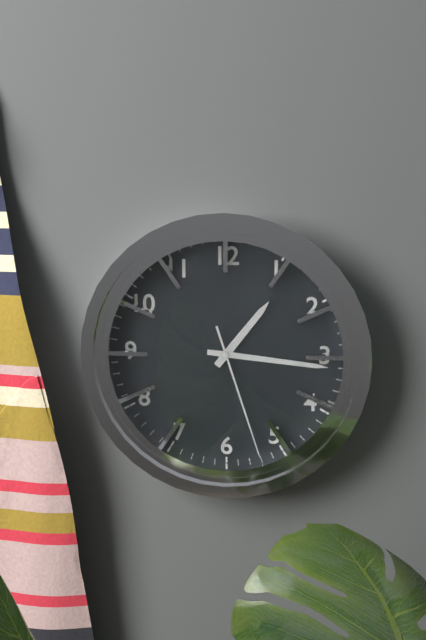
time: **1:16:27**
